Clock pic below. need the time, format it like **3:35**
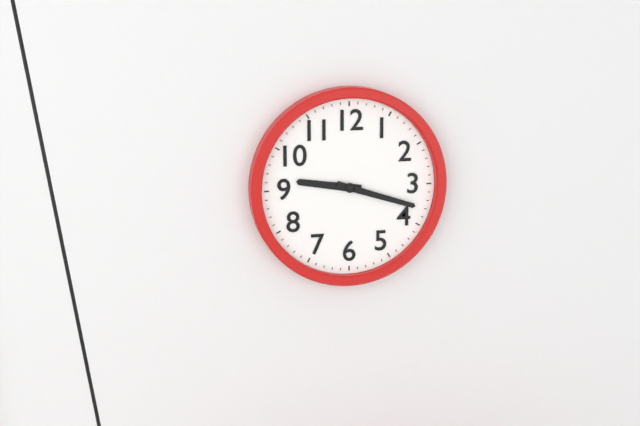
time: **9:18**
